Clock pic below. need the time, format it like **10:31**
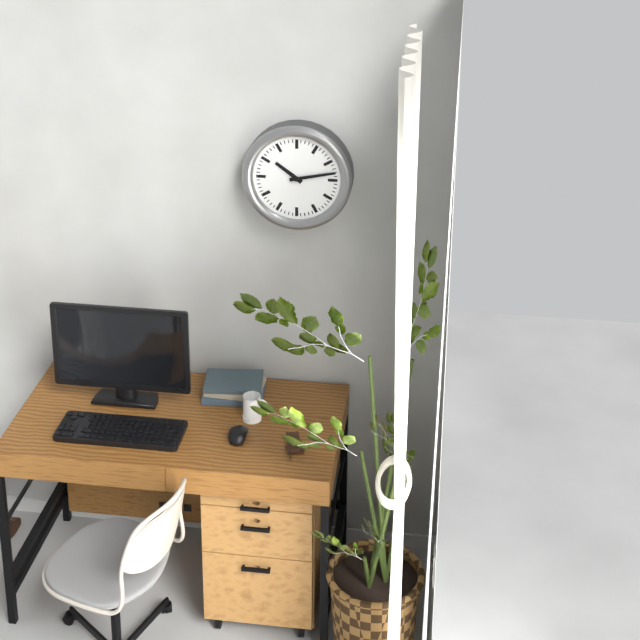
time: **10:13**
